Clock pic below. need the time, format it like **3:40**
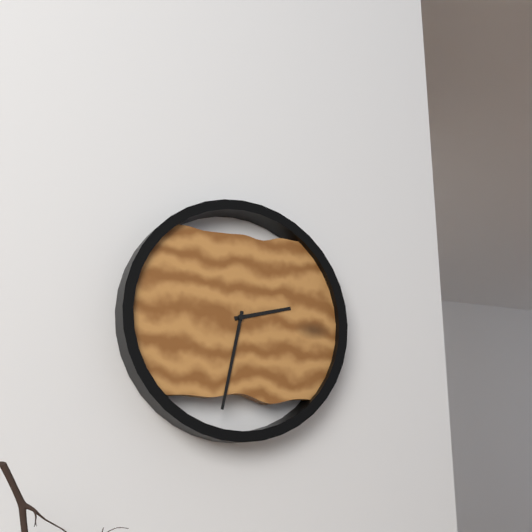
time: **2:32**
